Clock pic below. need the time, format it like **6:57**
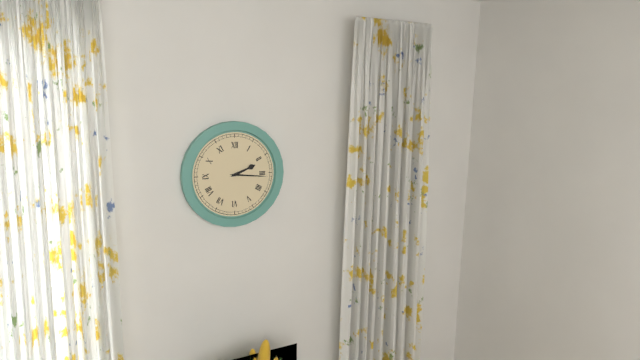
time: **2:16**
